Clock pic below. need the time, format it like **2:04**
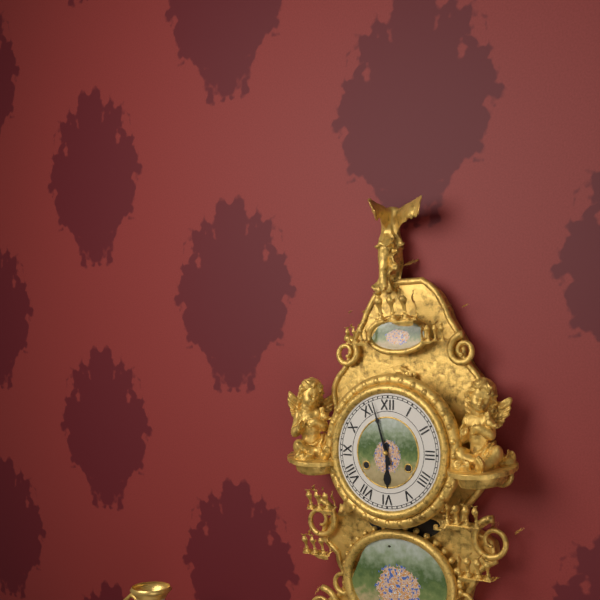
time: **5:57**
